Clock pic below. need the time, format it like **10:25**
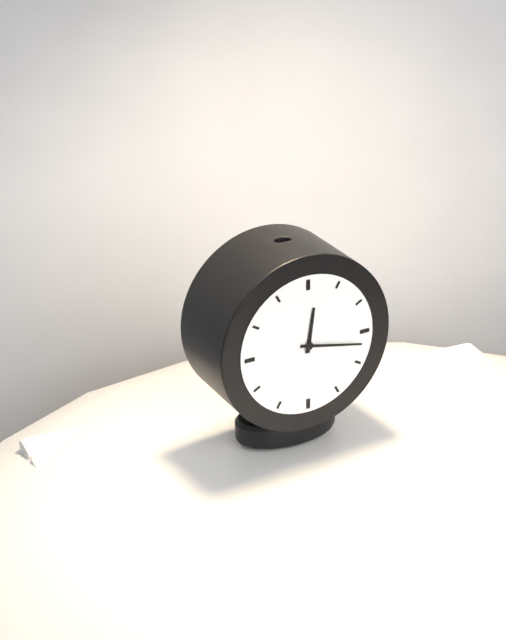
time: **12:17**
